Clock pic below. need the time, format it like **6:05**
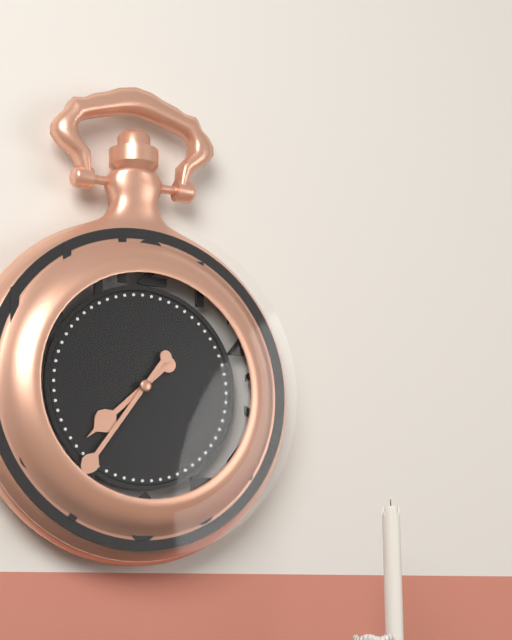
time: **7:36**
